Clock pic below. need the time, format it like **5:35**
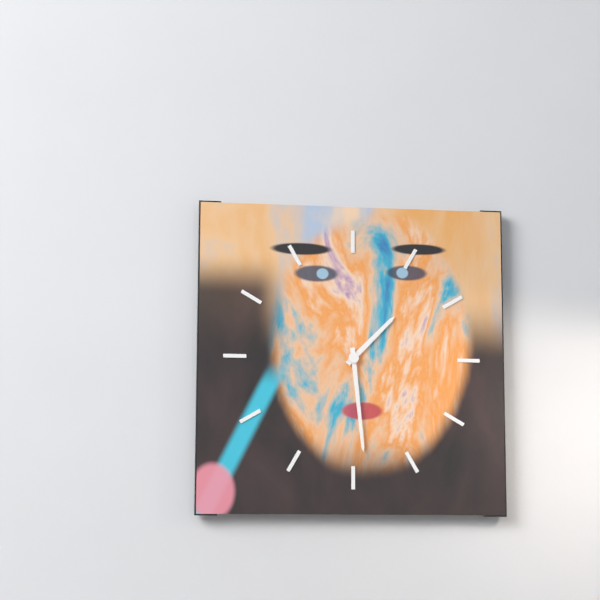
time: **1:29**
